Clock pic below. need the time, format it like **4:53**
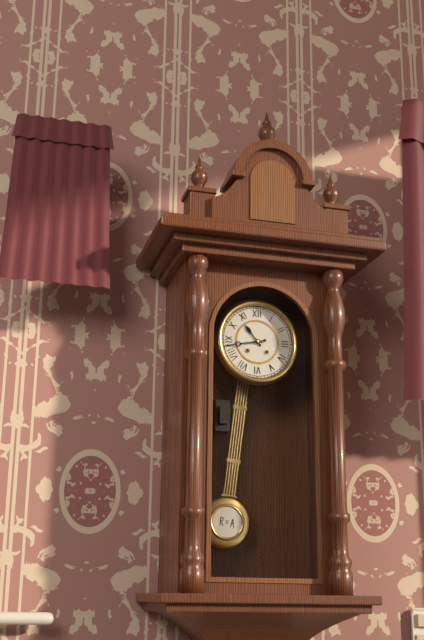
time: **10:43**
